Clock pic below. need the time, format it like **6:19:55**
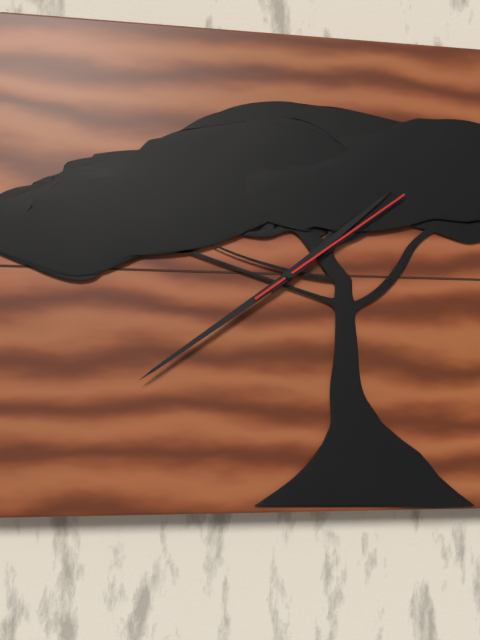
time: **1:39:09**
